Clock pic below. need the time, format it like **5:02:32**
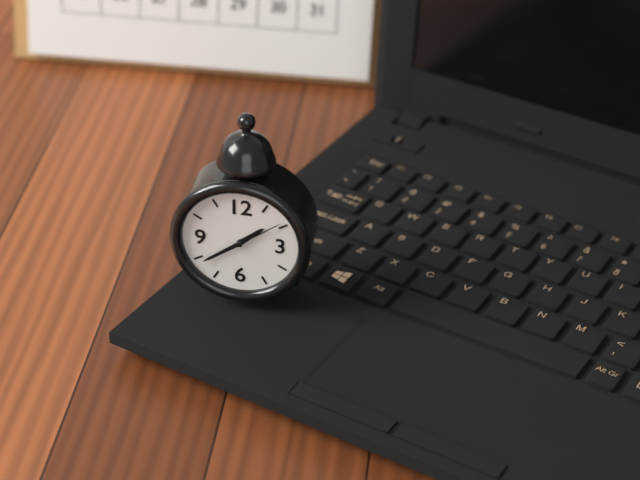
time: **1:39:09**
